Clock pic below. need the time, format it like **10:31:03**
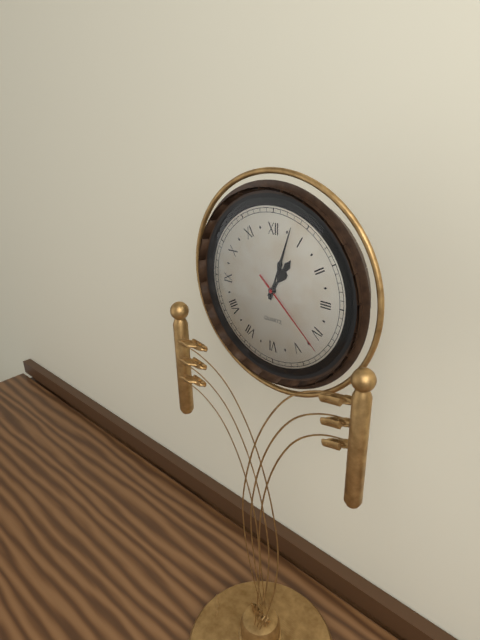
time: **1:03:22**
